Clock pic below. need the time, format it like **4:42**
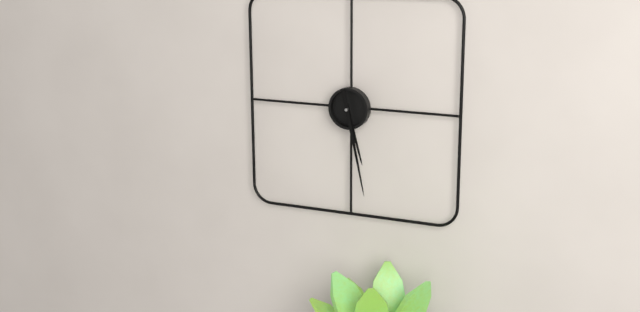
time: **5:28**
